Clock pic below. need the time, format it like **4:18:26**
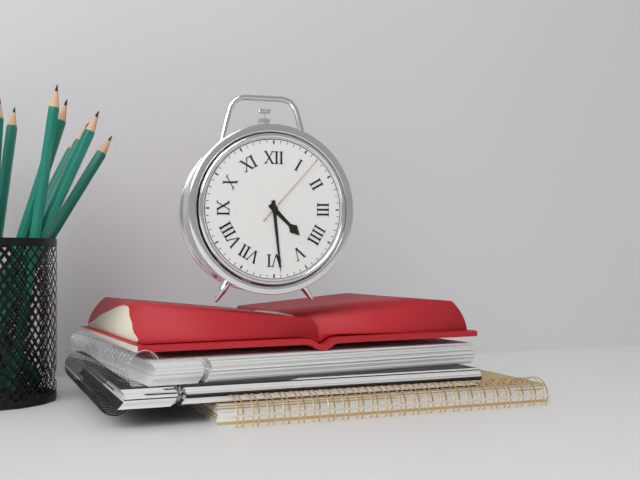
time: **4:29:07**
